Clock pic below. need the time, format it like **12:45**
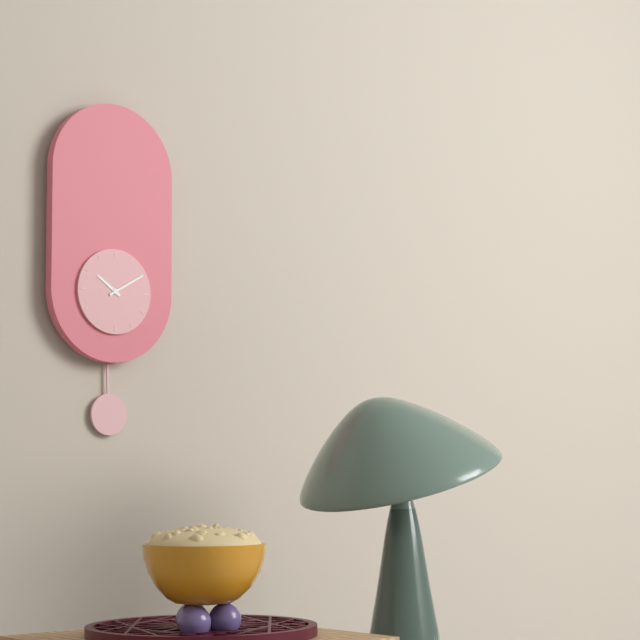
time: **10:10**
